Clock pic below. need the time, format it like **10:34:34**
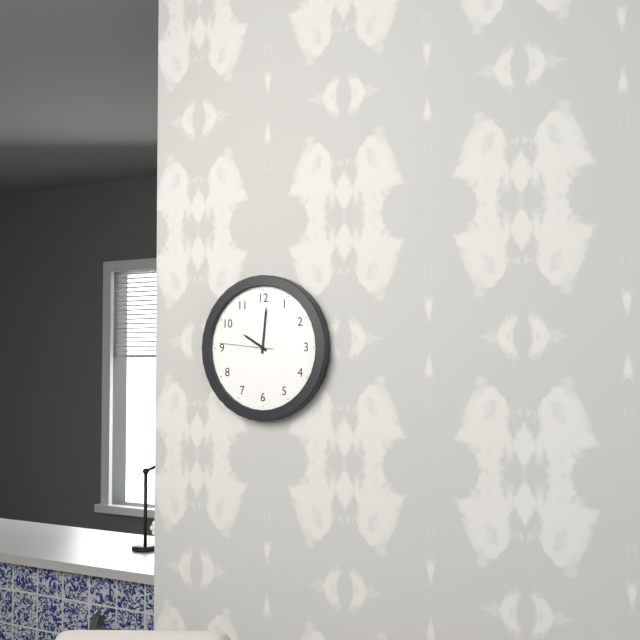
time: **10:01:46**
